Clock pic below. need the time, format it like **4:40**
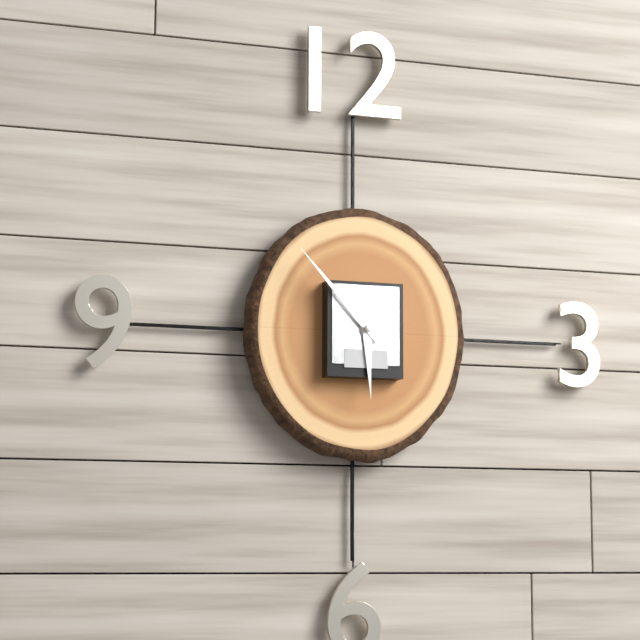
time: **5:53**
